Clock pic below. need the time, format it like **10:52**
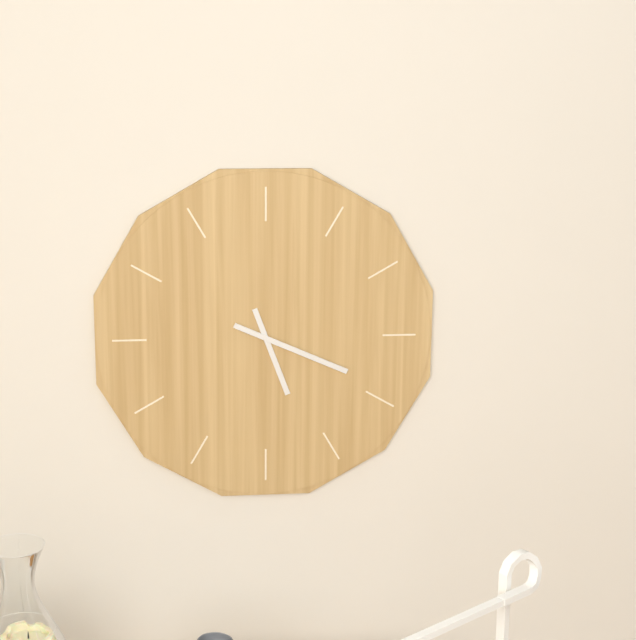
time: **5:19**
